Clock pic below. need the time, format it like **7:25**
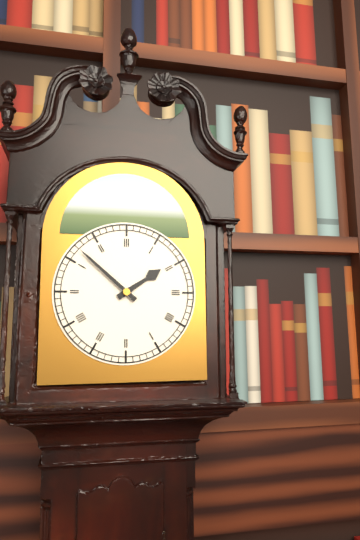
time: **1:52**
